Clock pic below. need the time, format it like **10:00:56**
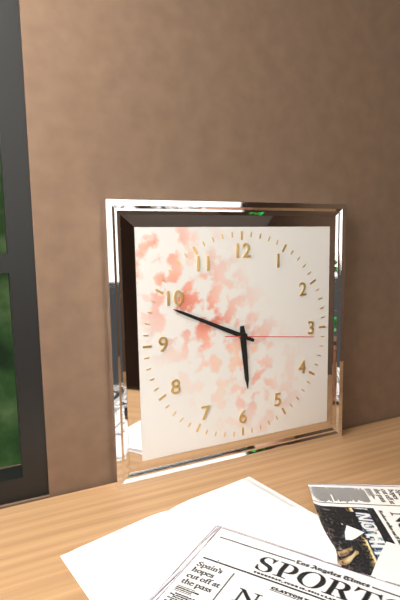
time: **5:49:16**
